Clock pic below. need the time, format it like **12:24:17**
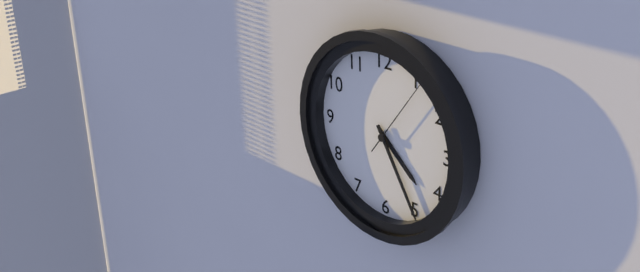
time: **4:25:06**
